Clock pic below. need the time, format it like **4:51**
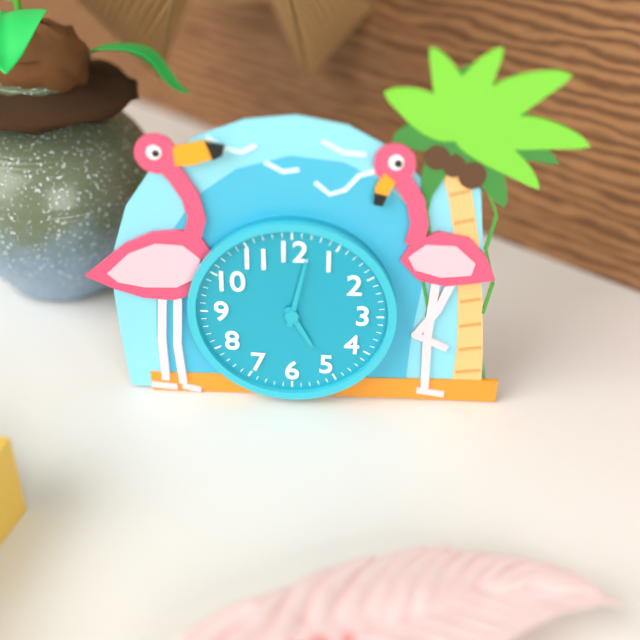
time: **5:02**
